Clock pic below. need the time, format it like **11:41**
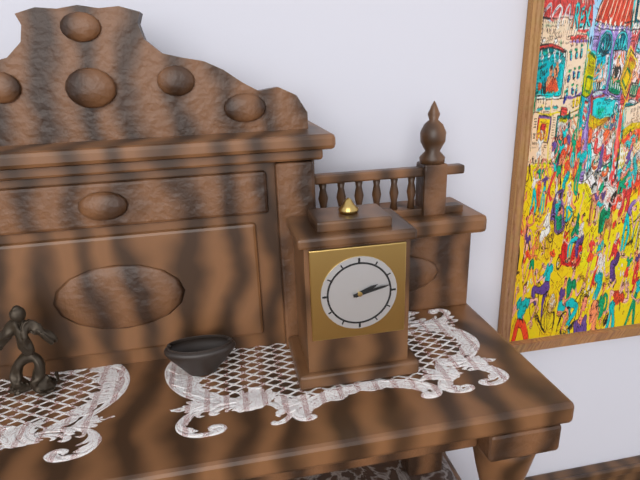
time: **2:13**
